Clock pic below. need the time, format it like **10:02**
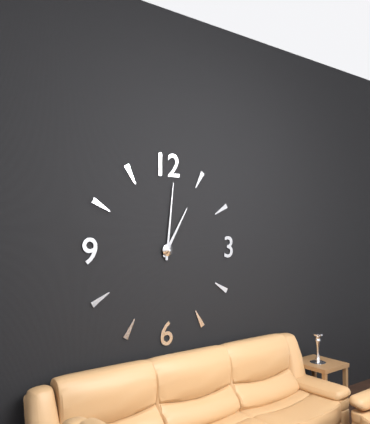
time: **1:01**
